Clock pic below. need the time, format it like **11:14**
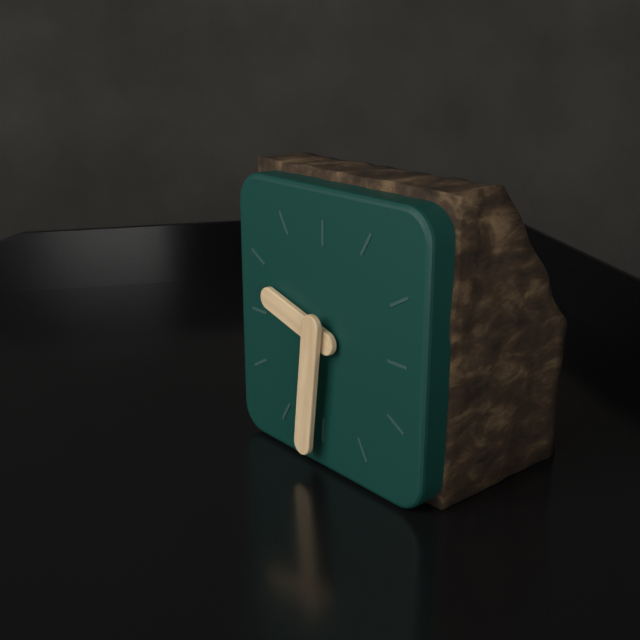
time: **9:31**
